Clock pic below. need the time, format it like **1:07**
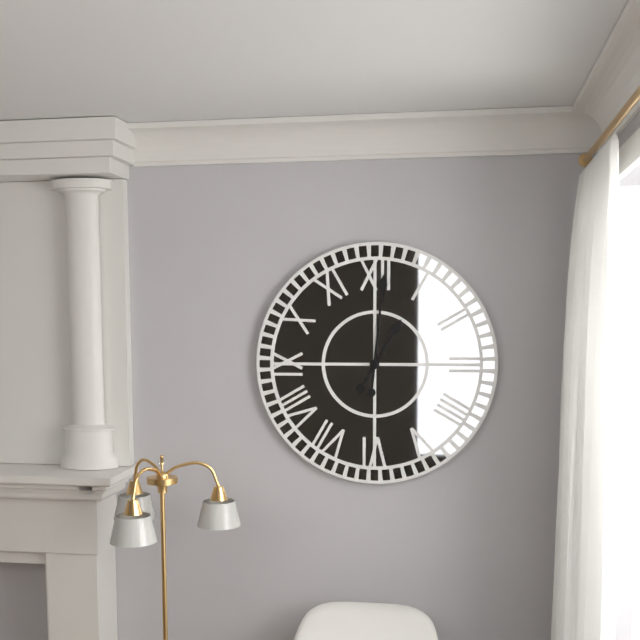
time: **1:01**
